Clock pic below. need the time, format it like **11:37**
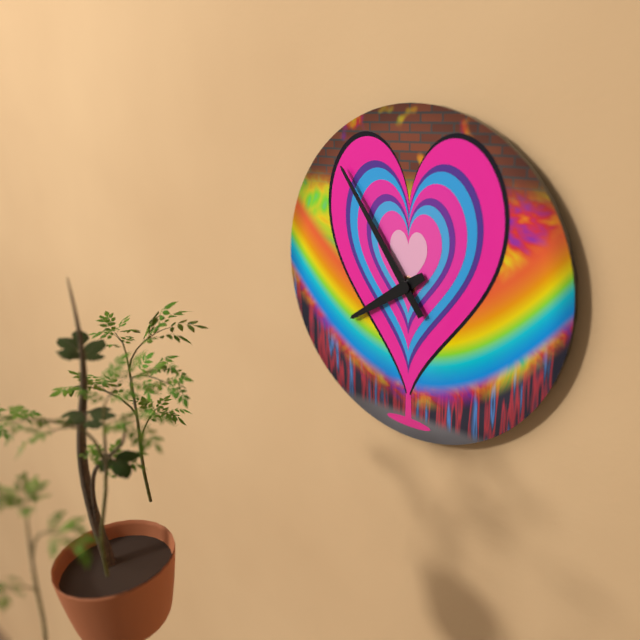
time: **7:54**
